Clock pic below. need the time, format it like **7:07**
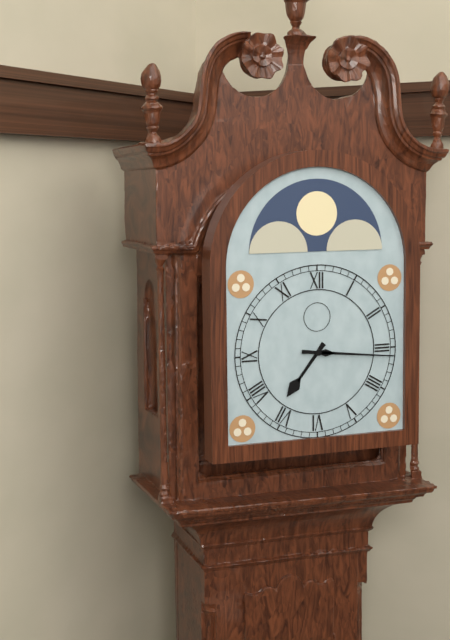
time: **7:16**
